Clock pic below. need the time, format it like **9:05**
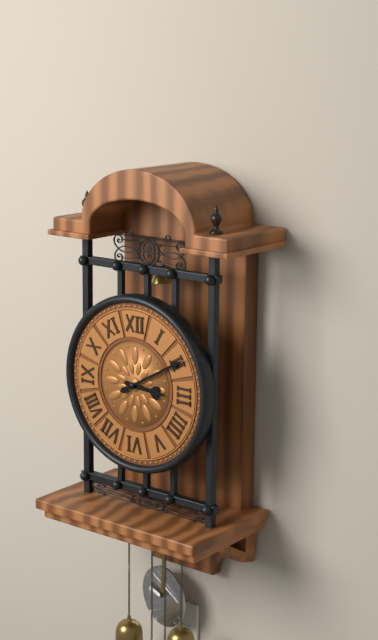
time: **3:10**
